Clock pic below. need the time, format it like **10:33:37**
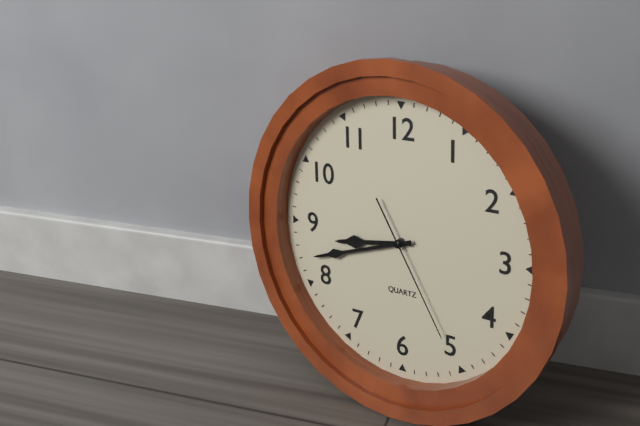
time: **8:42:25**
